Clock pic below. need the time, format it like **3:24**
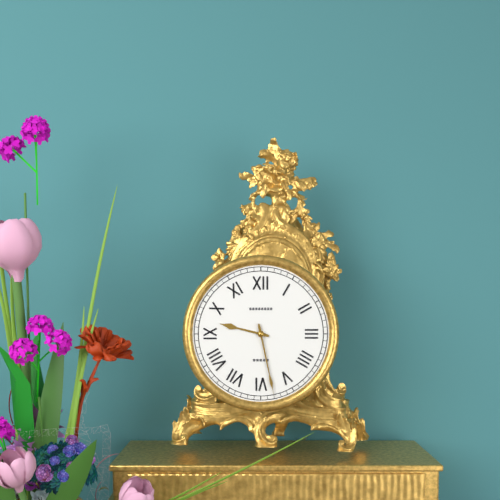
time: **9:28**
